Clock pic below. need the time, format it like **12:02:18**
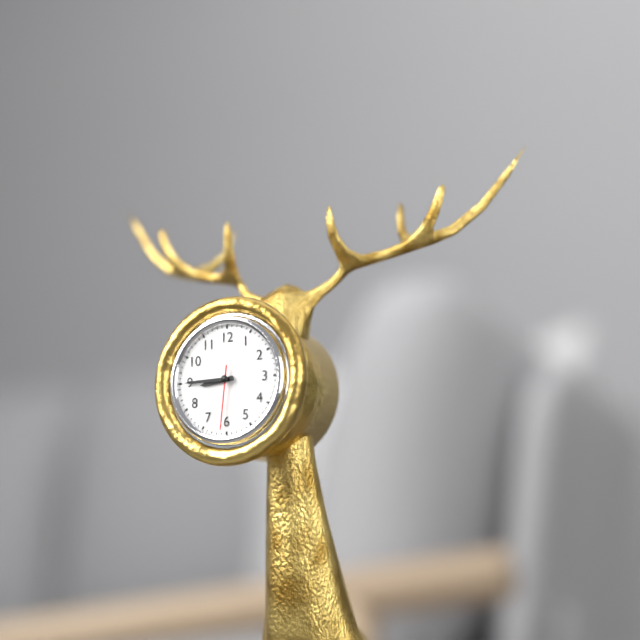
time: **8:45:31**
